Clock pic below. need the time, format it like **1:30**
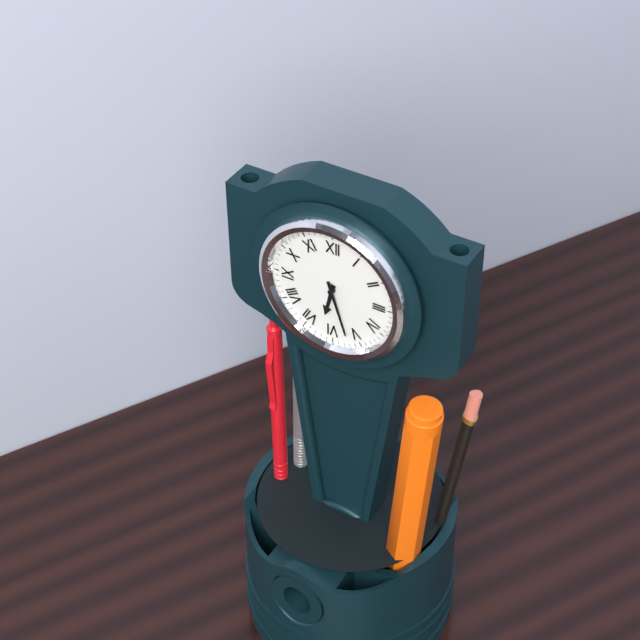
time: **6:27**
